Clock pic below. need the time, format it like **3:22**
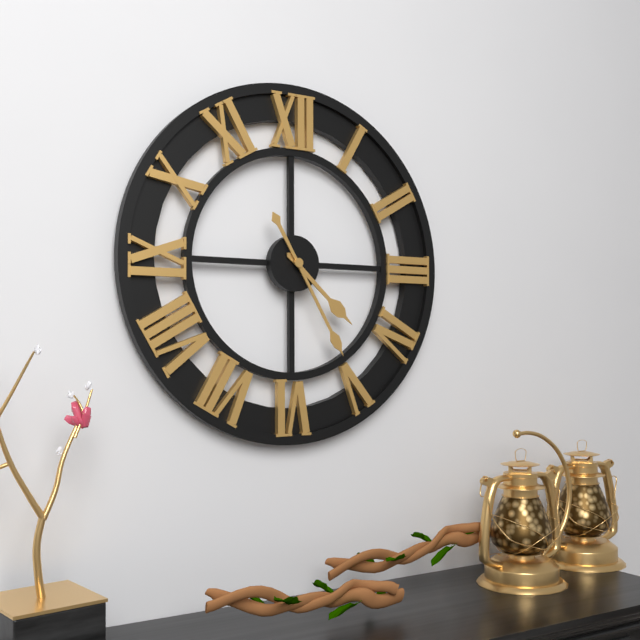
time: **4:25**
